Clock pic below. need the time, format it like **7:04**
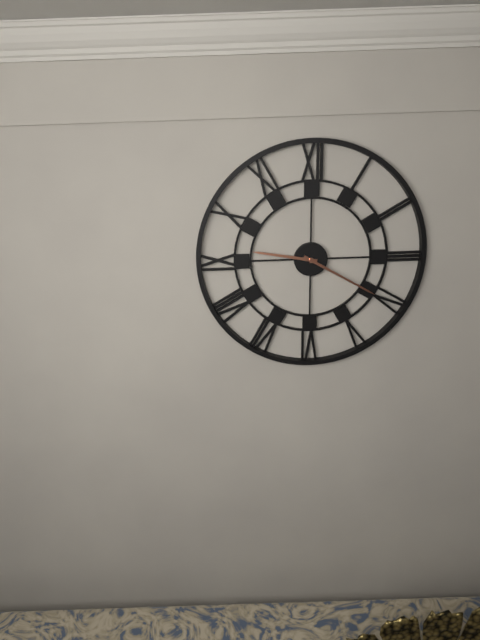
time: **9:20**
